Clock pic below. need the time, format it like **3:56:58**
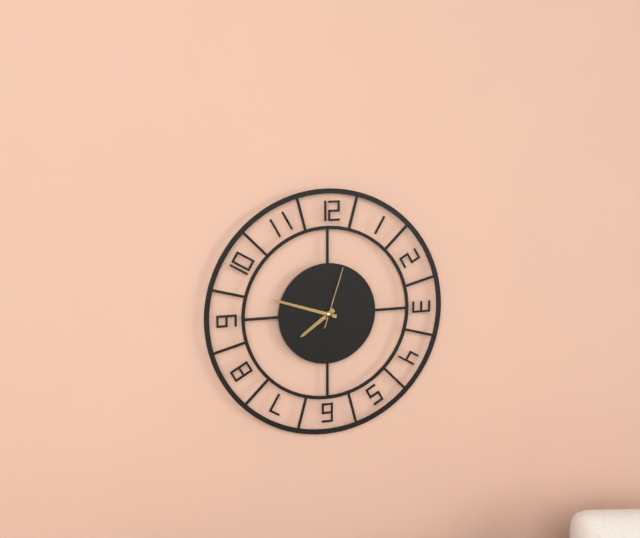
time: **7:48:03**
